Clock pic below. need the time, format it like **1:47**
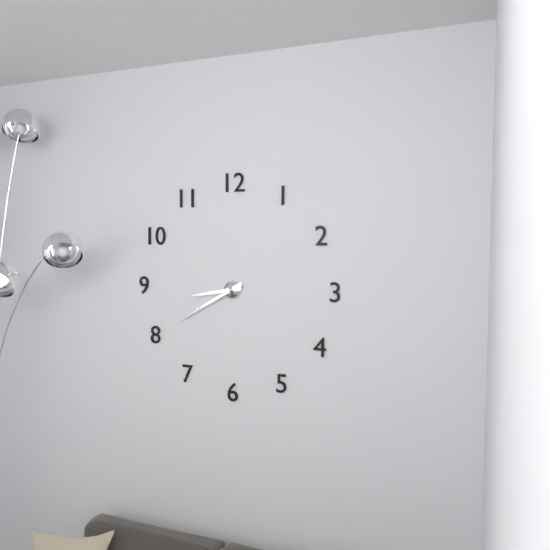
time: **8:40**
